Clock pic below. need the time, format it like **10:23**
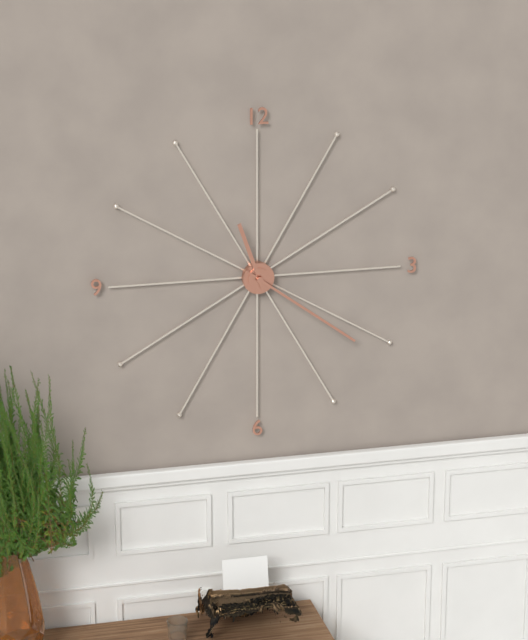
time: **11:21**
